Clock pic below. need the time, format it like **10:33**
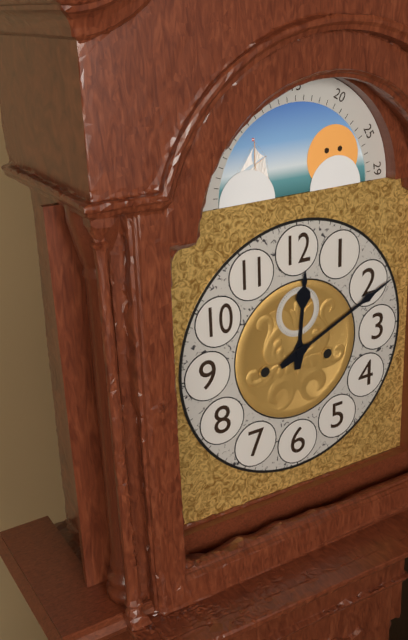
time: **12:11**
